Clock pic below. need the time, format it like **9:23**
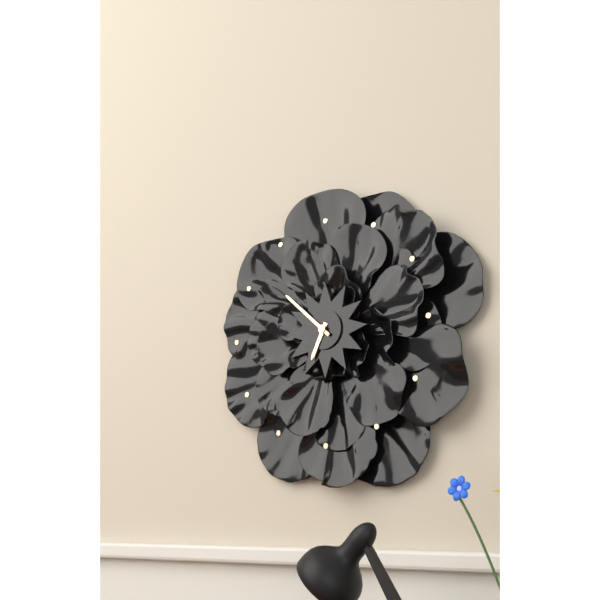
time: **6:52**
